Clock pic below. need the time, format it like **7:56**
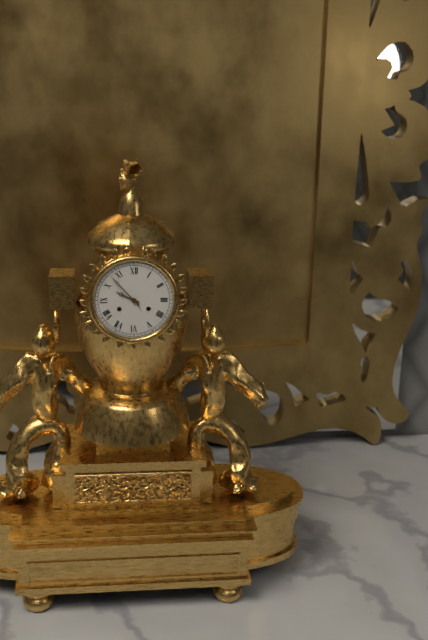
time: **9:53**
